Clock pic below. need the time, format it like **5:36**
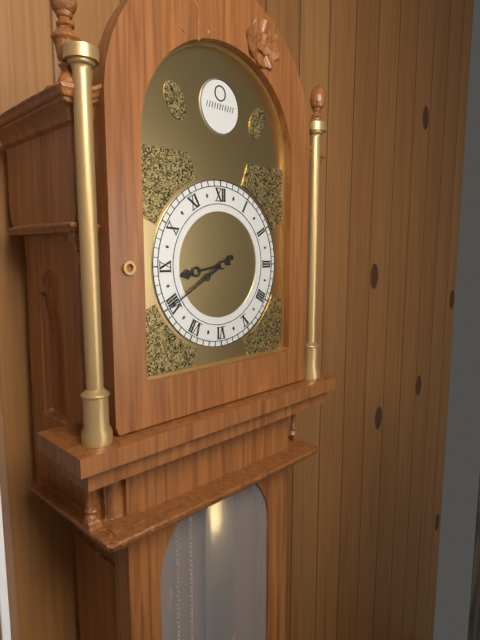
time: **8:40**
